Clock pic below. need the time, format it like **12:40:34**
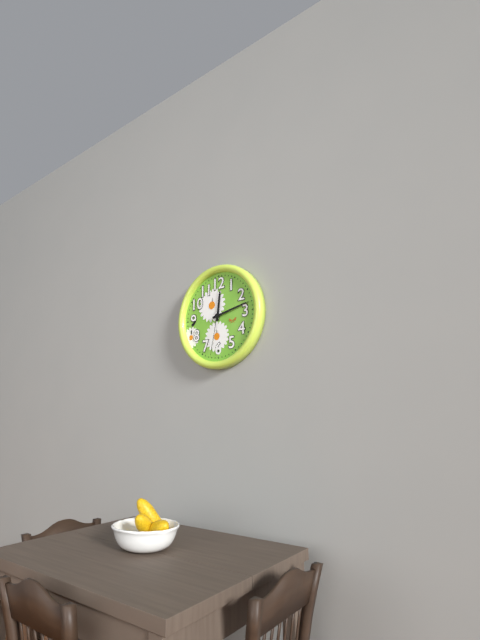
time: **12:13:32**
